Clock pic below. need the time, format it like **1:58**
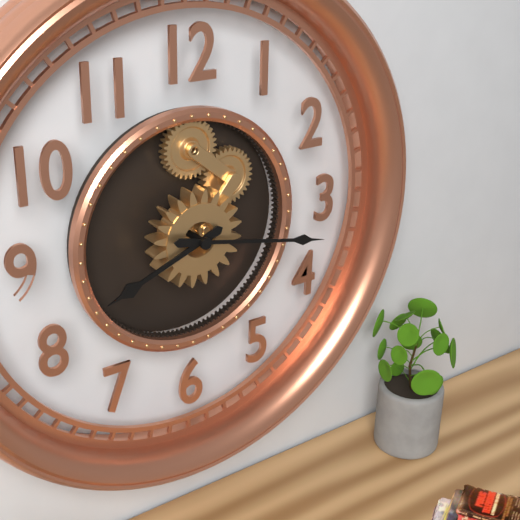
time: **8:17**
